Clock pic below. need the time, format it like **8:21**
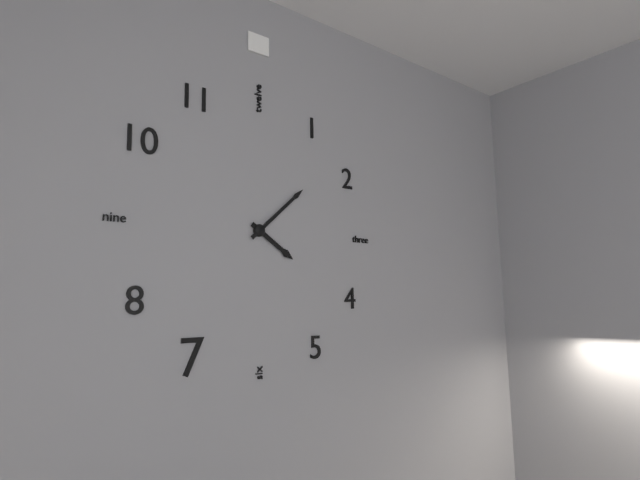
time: **4:08**
